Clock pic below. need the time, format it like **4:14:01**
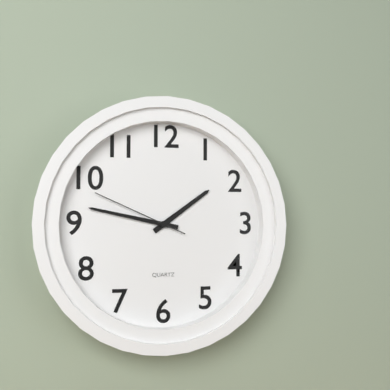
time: **1:47:49**
